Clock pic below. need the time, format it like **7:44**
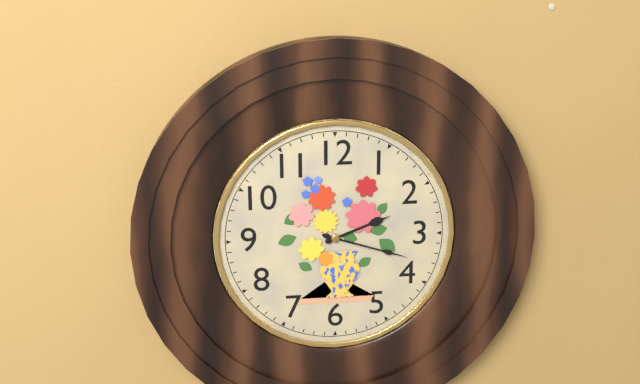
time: **2:18**
